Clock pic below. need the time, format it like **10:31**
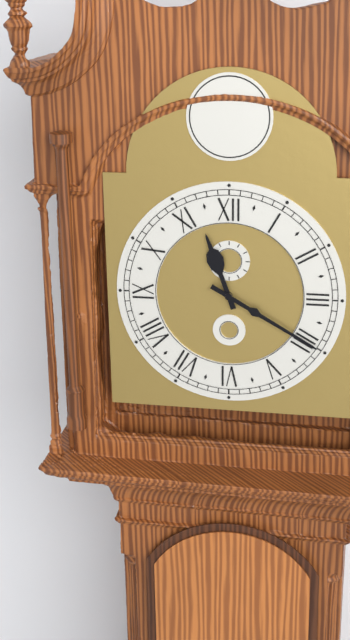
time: **11:20**
